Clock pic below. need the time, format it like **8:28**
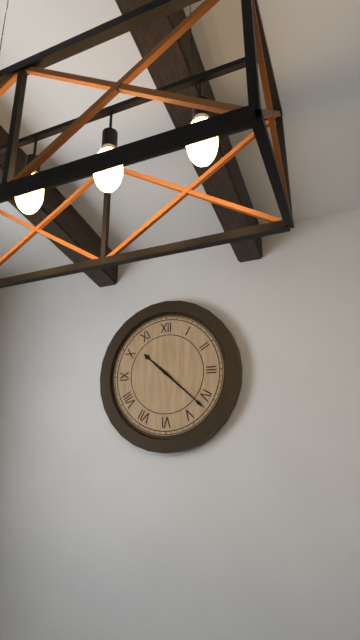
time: **10:22**
